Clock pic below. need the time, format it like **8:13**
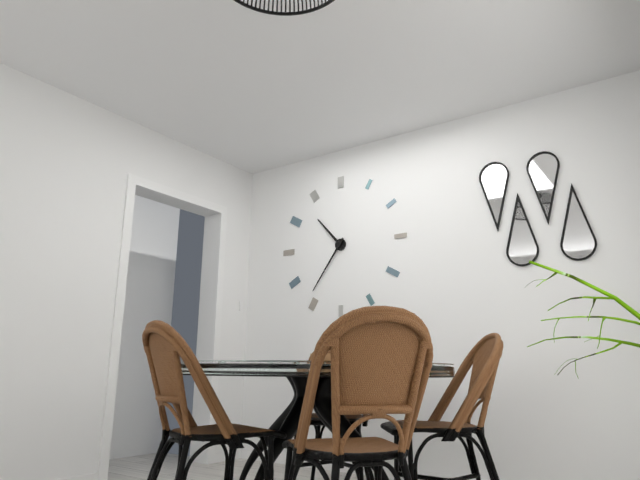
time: **10:36**
